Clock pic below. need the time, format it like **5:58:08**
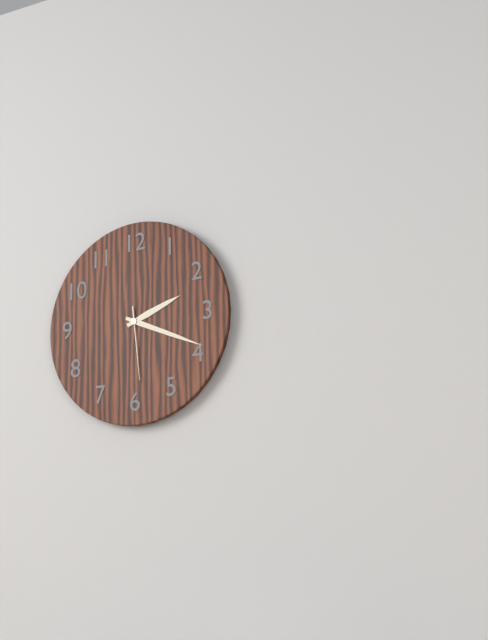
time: **2:19:29**
